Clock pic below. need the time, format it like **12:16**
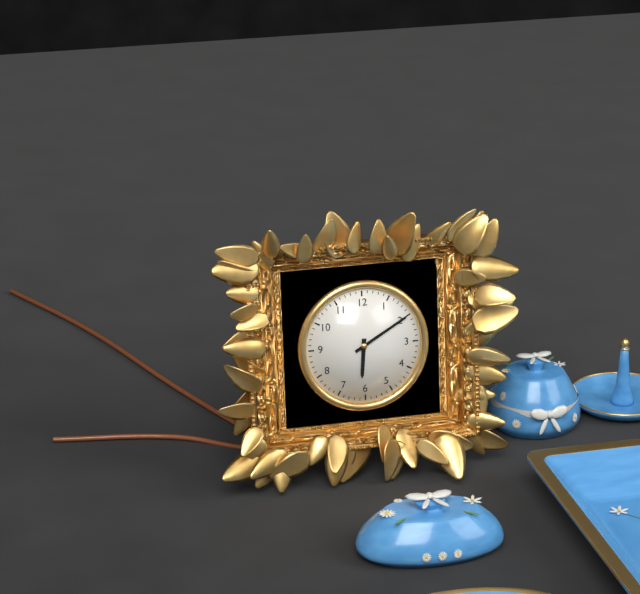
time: **6:10**
